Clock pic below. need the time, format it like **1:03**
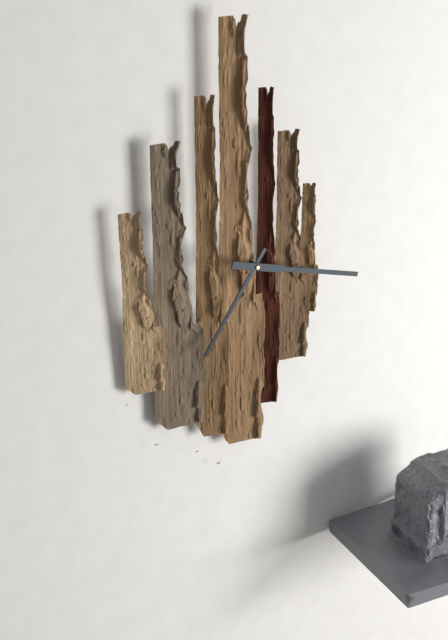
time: **7:18**
